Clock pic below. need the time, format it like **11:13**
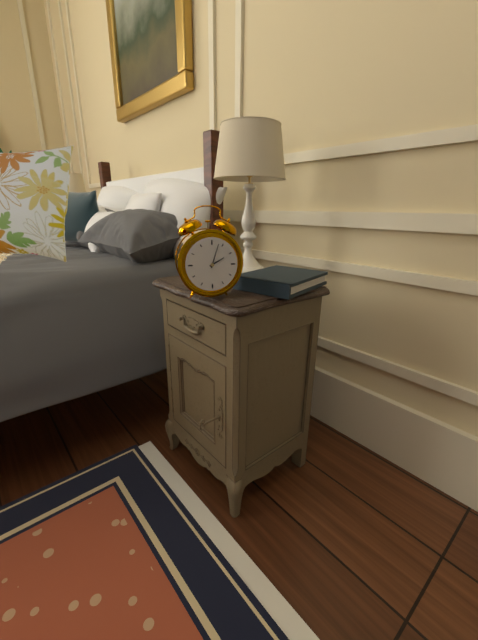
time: **2:03**
